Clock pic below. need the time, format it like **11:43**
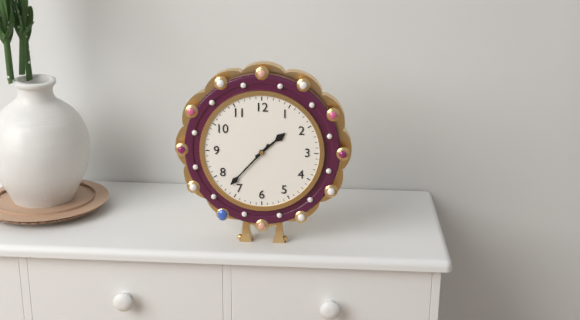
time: **1:37**
